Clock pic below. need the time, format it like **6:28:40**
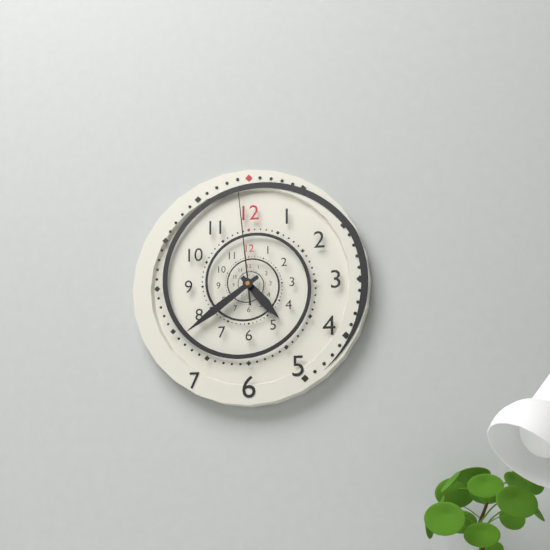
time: **4:39:59**
